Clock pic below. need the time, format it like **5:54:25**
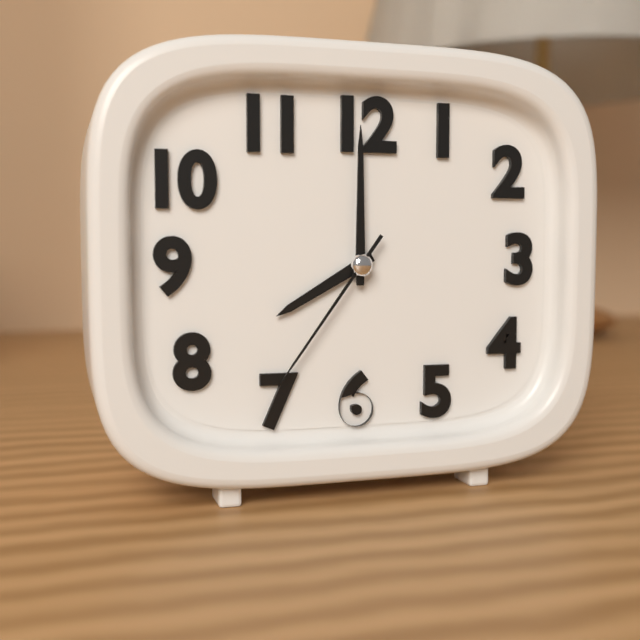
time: **8:00:36**
